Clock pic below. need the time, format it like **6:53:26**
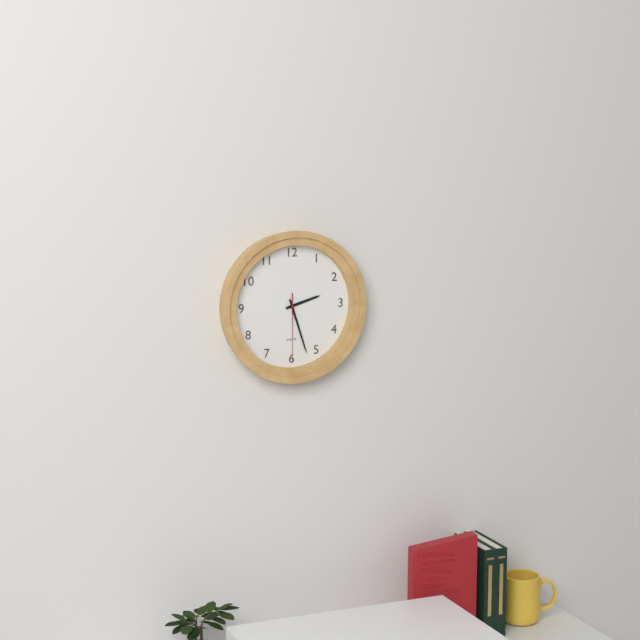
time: **2:27:30**
